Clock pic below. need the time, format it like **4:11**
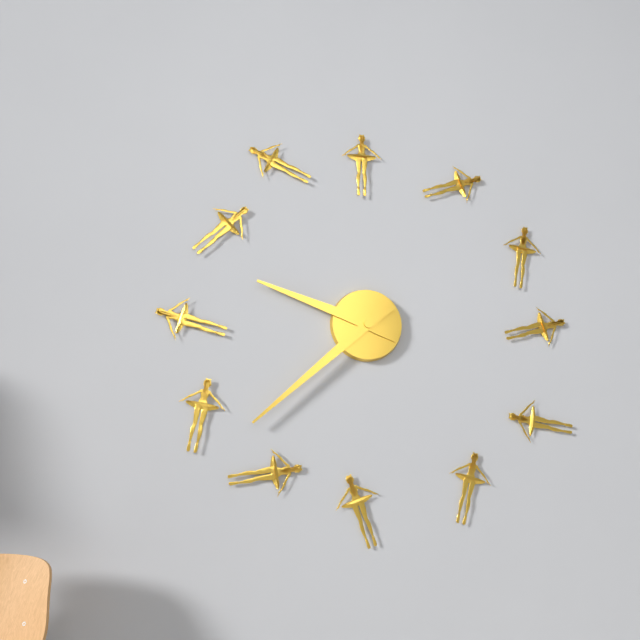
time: **9:38**
